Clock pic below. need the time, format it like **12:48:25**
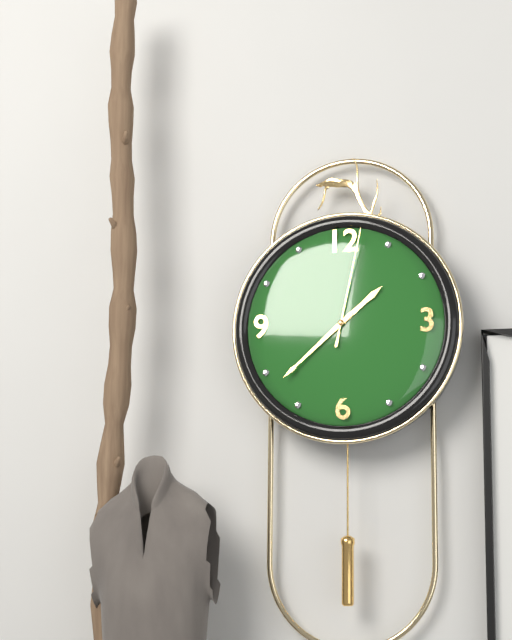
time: **1:38:02**
